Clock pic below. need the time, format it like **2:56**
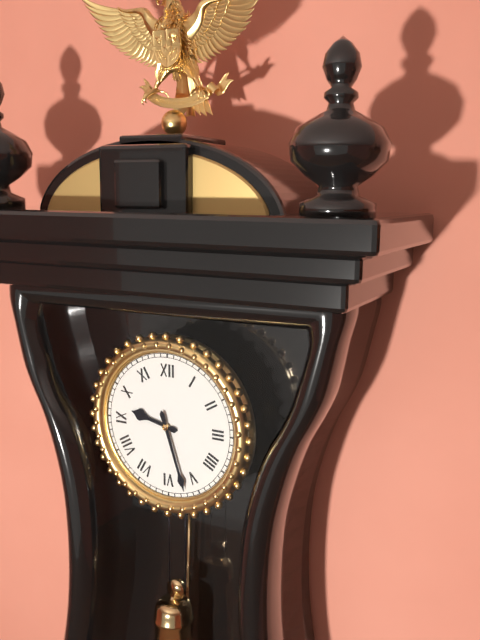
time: **9:27**
